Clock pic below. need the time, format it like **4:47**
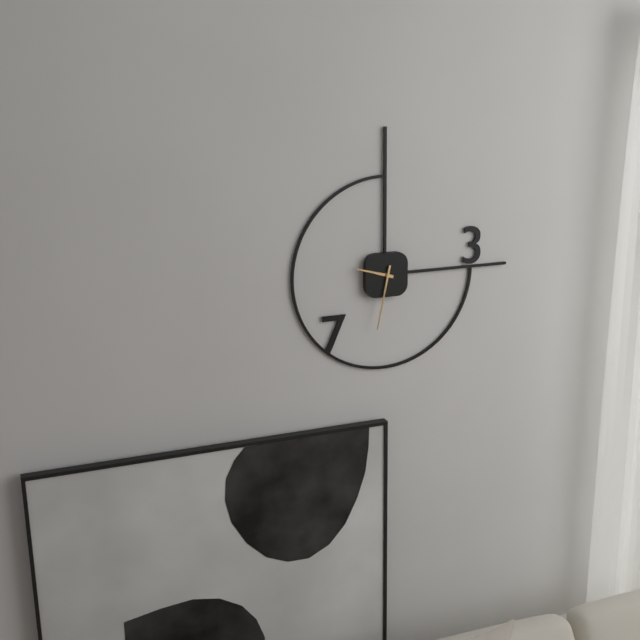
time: **9:32**
